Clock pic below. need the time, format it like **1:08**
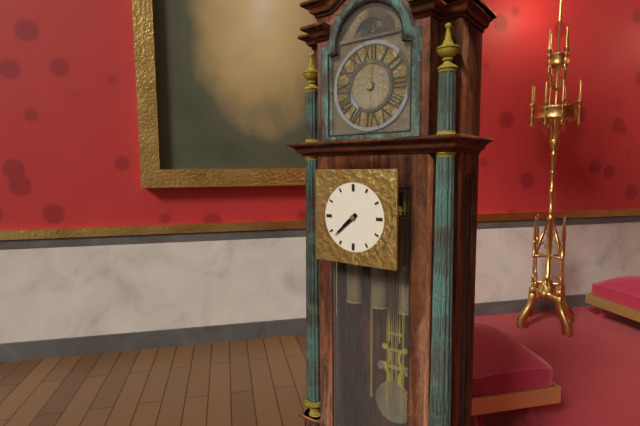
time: **7:38**
